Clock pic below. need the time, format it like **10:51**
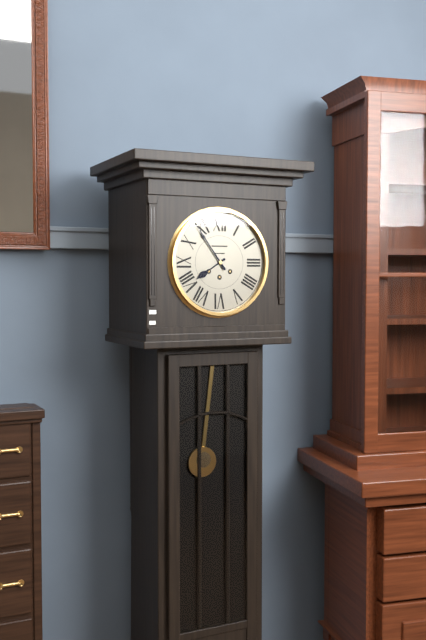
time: **7:54**
